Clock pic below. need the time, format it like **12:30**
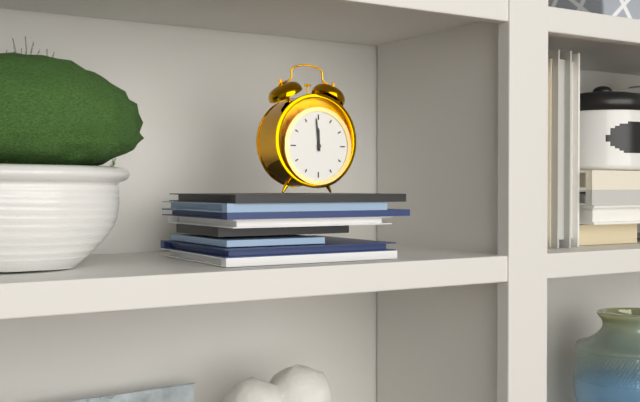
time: **11:59**
